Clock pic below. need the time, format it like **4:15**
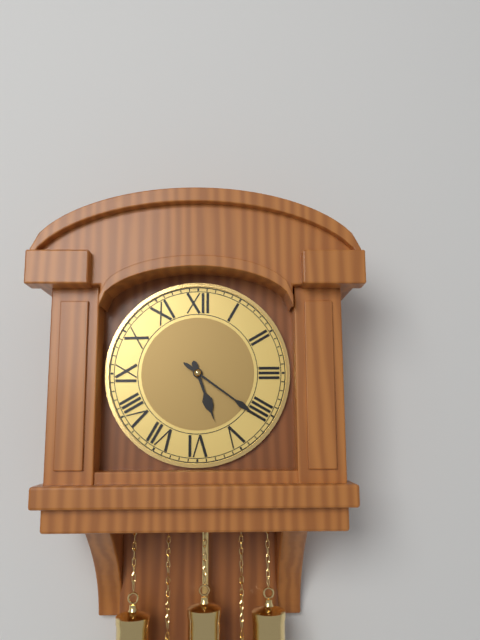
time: **5:21**
